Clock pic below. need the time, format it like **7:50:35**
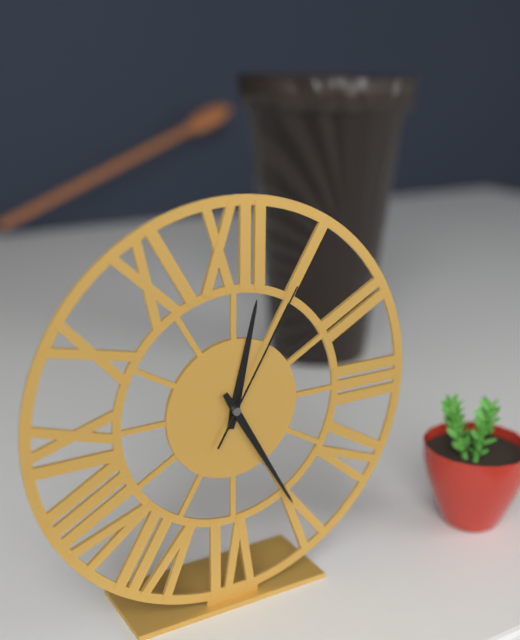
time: **12:25:05**
